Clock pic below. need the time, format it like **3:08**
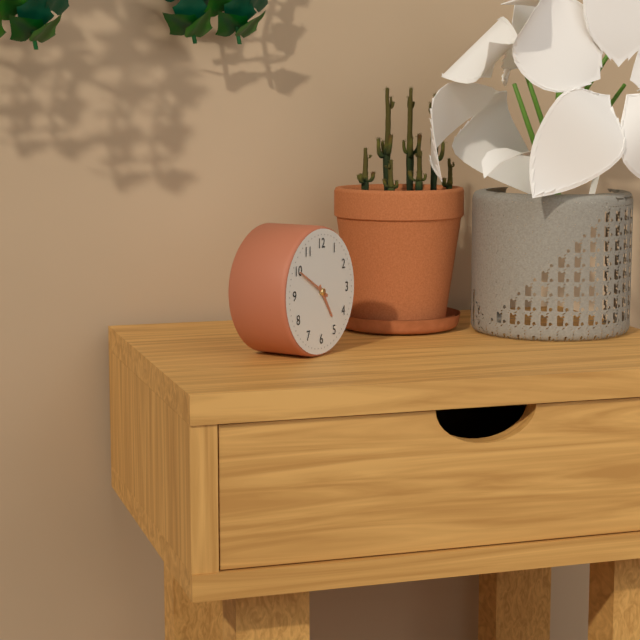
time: **4:50**
